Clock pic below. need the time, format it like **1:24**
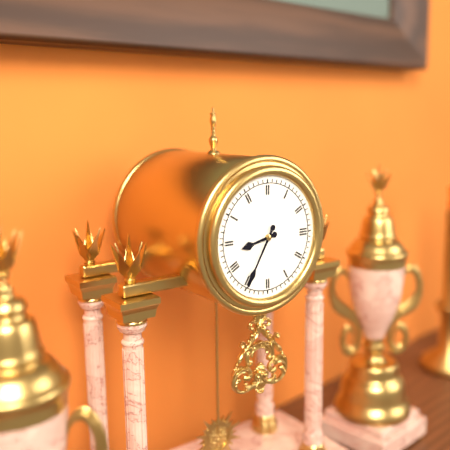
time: **8:35**
